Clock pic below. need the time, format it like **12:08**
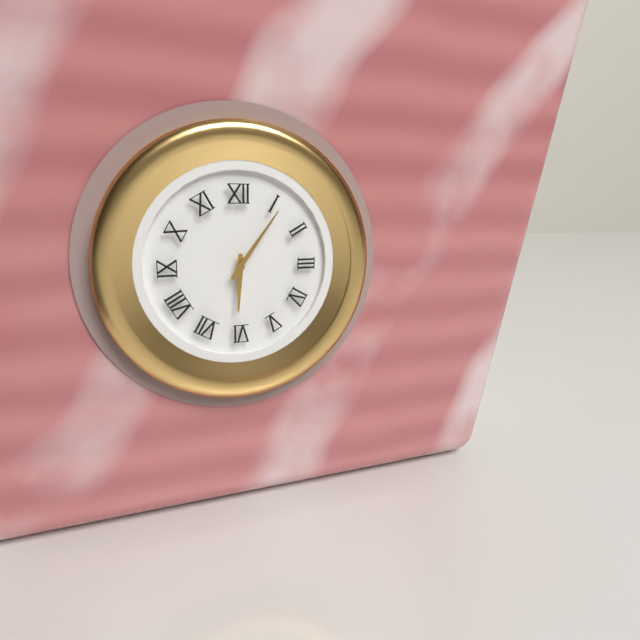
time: **6:06**
